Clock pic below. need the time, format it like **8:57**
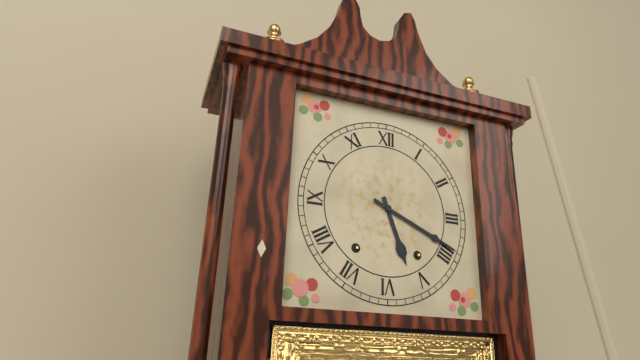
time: **5:19**
